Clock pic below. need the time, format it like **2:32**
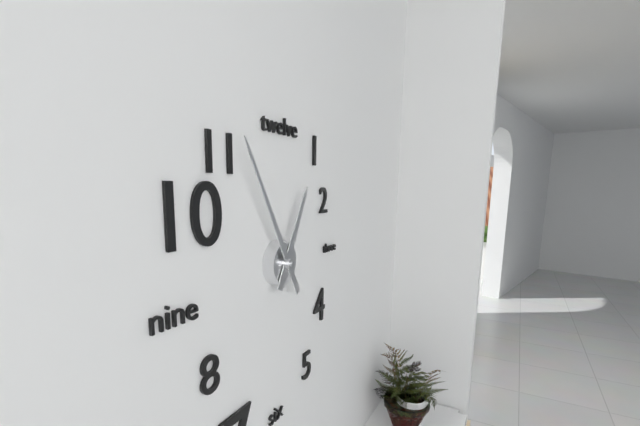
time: **12:55**
